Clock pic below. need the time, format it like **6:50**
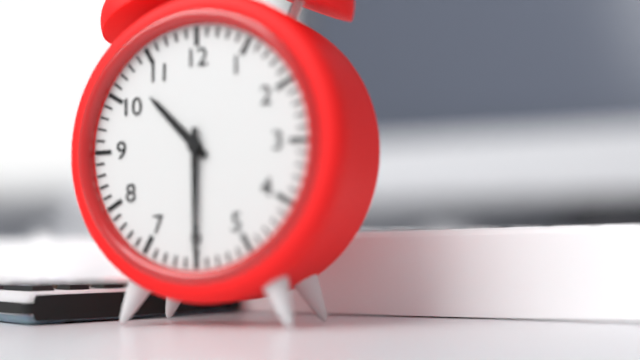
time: **10:30**
